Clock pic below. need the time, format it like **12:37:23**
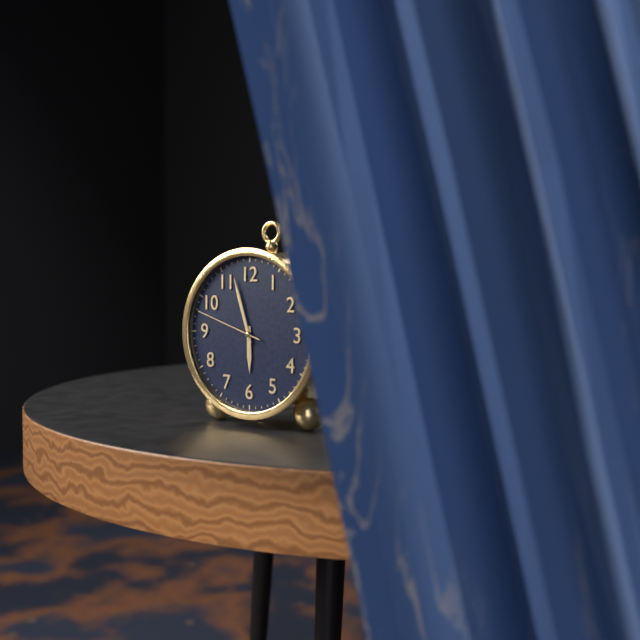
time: **5:57:48**
